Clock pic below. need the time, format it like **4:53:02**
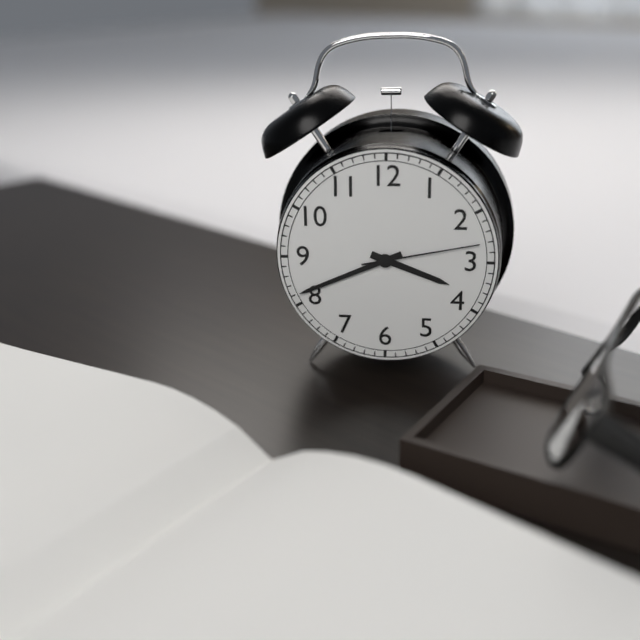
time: **3:41:13**
